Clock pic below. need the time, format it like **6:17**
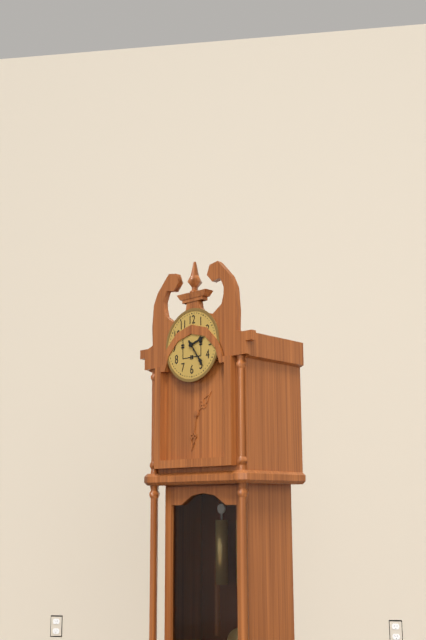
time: **2:24**
